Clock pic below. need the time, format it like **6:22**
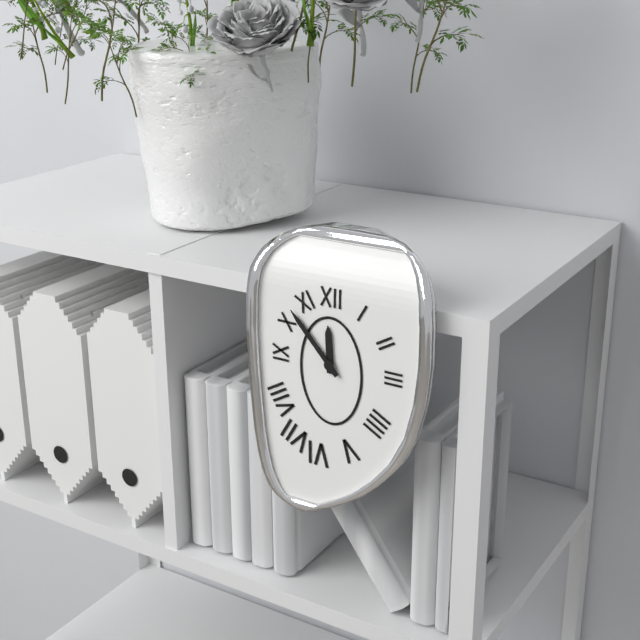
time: **11:53**
